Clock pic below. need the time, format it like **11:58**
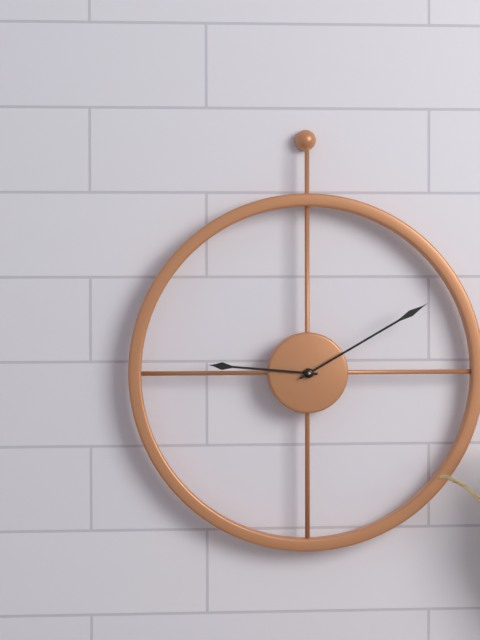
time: **9:10**
